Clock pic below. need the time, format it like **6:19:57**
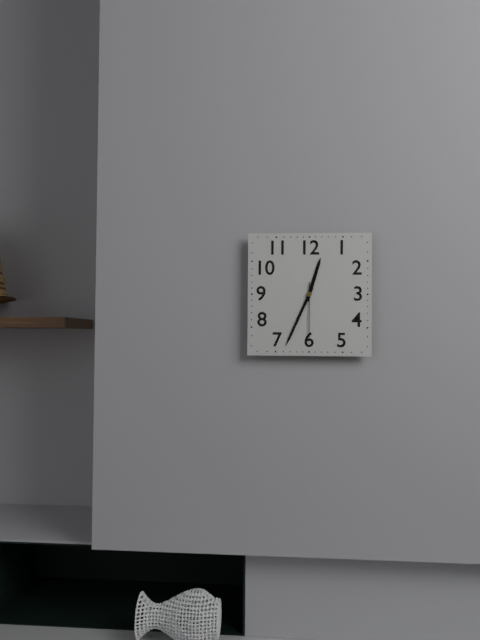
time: **12:34:30**
